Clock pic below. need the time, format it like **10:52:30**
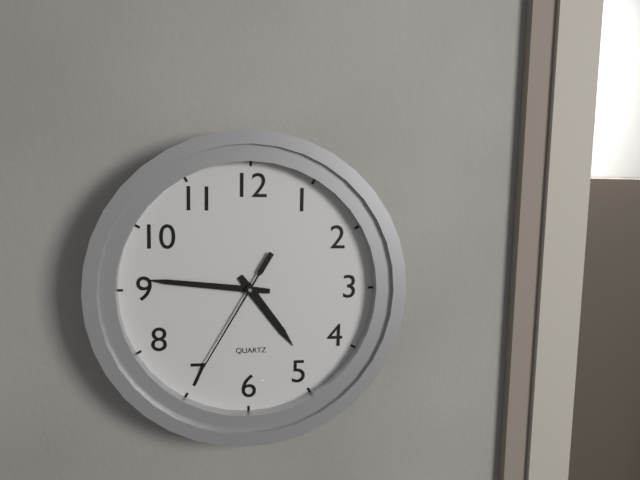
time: **4:46:35**
